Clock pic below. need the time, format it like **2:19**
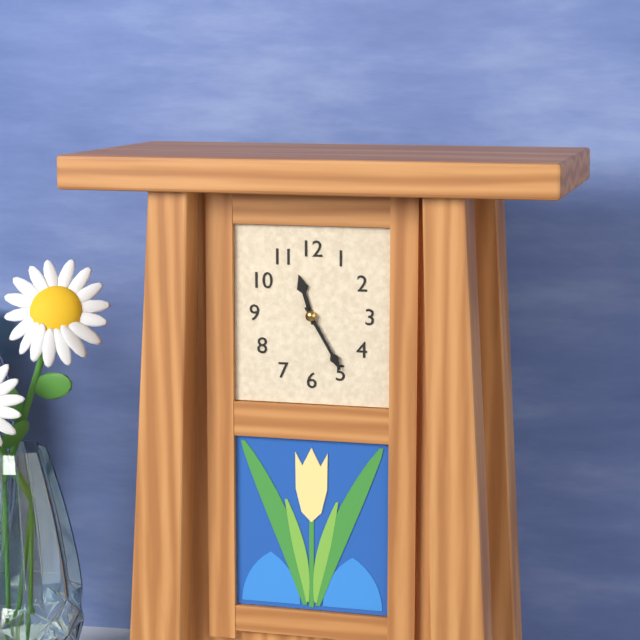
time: **11:25**
